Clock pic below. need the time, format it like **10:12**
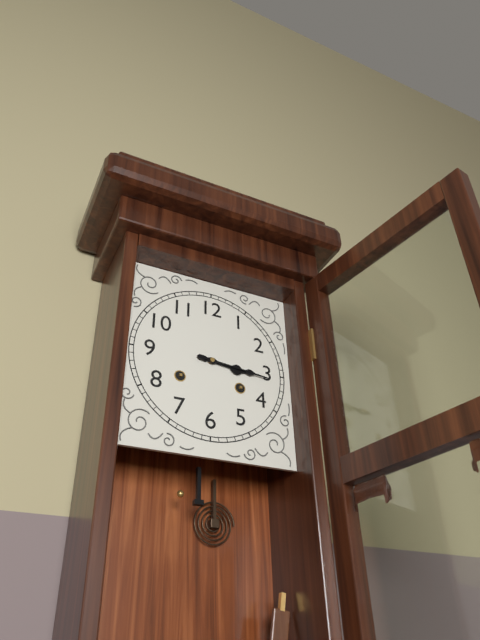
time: **3:16**
